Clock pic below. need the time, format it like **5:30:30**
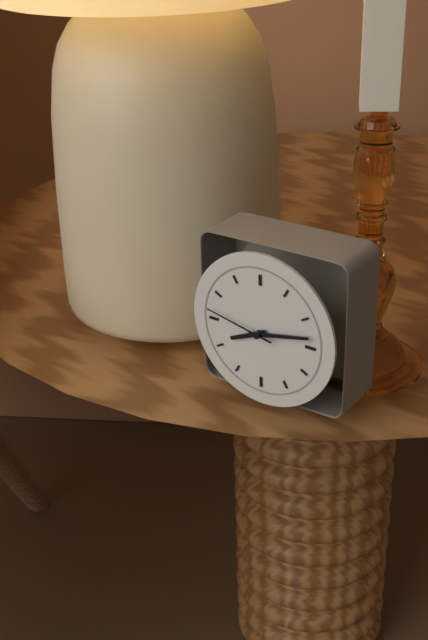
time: **8:13:47**
